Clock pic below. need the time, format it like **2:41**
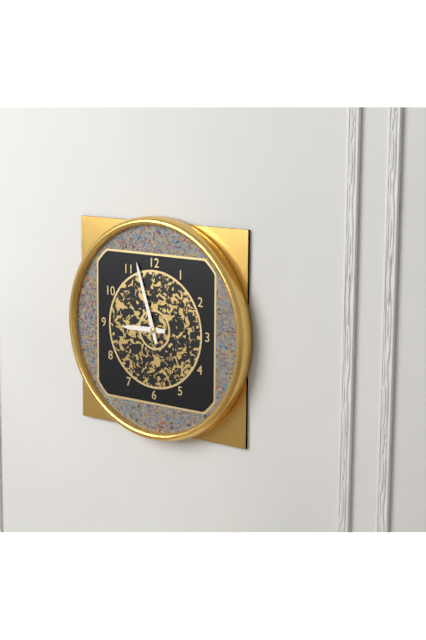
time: **8:57**
